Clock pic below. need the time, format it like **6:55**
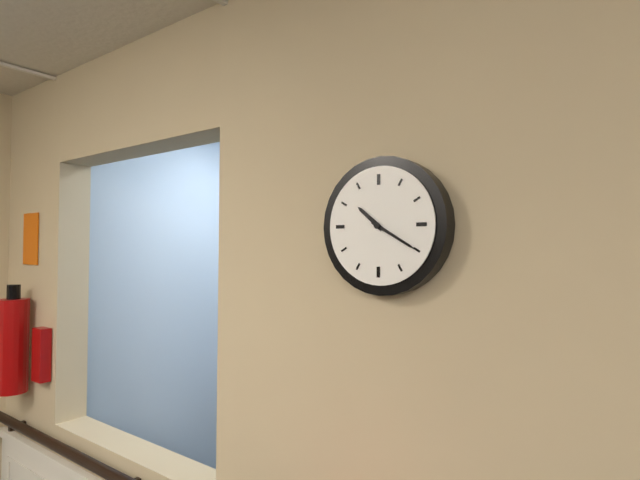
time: **10:20**
